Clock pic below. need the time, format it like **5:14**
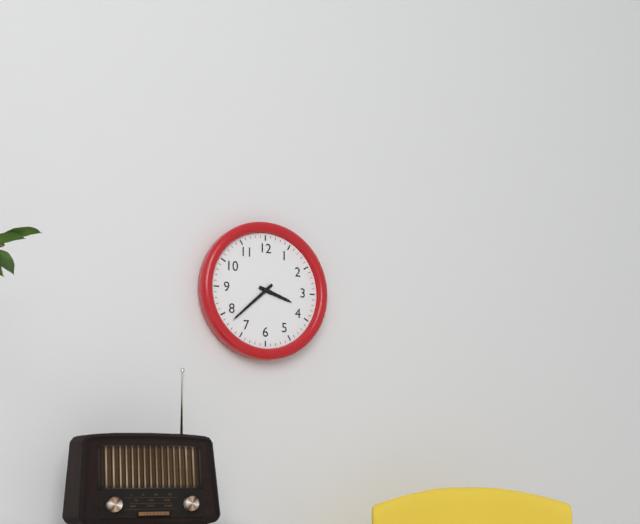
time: **3:38**
